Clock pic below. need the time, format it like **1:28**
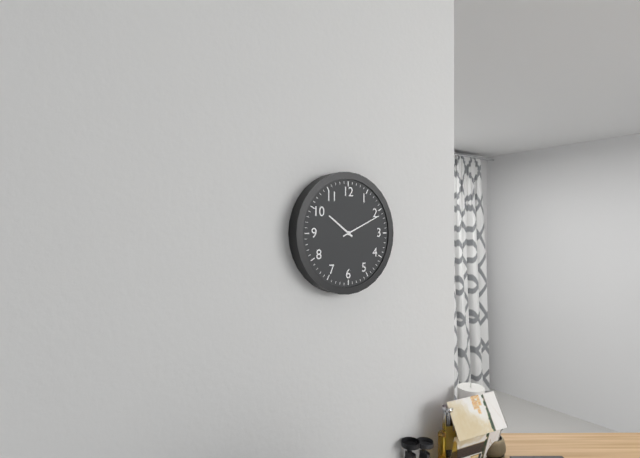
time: **10:11**
